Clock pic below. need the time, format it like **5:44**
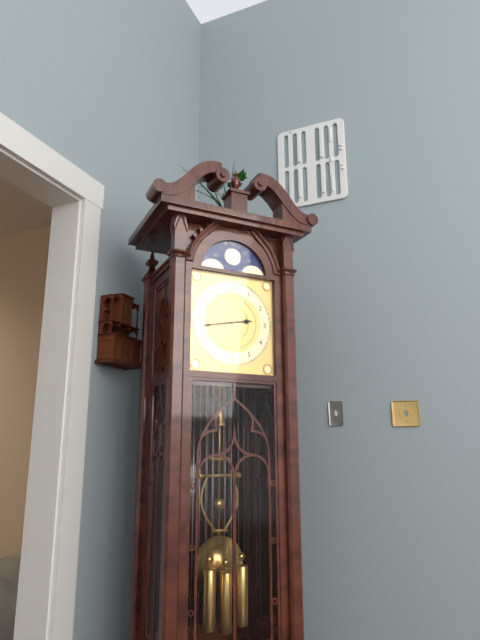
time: **2:43**
